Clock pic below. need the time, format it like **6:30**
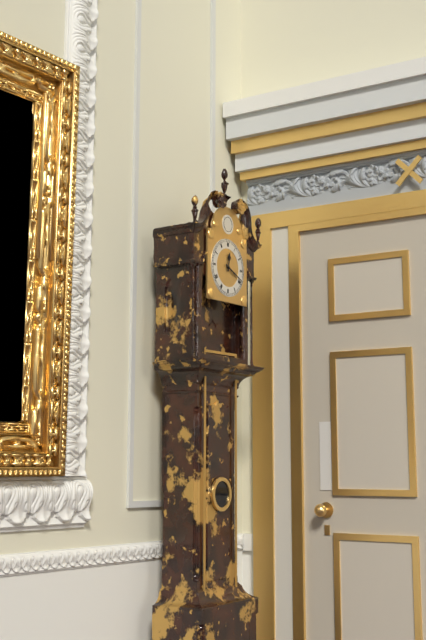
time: **12:19**
